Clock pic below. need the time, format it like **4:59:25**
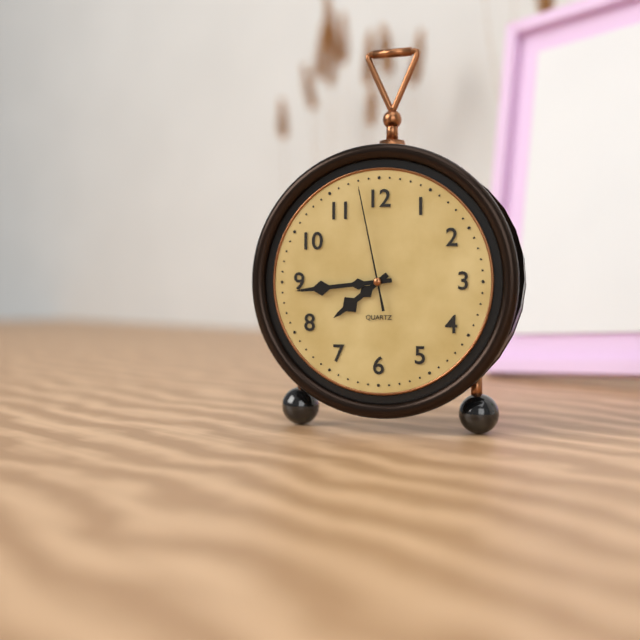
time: **7:44:58**
